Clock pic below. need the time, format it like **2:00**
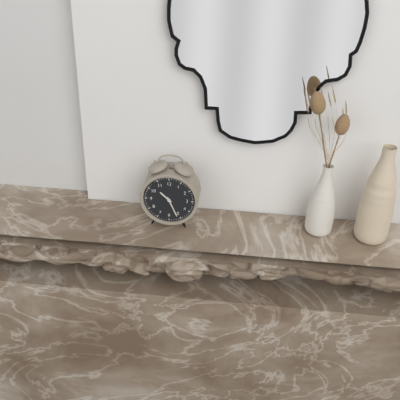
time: **10:26**
